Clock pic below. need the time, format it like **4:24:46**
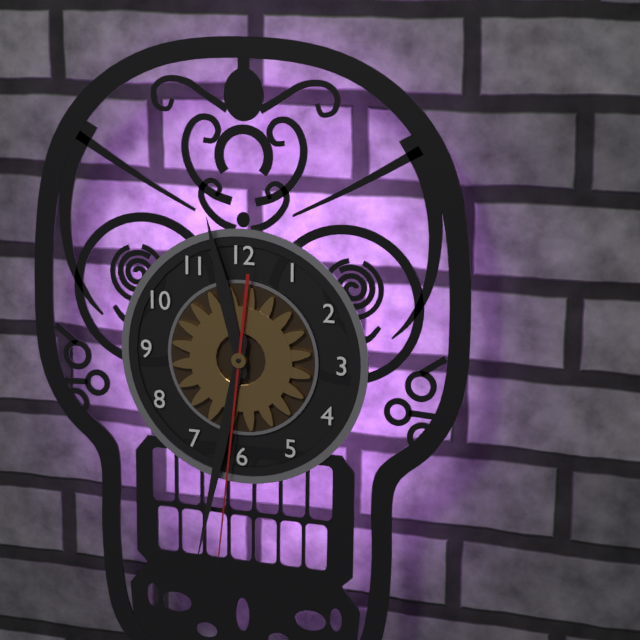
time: **11:32:31**
